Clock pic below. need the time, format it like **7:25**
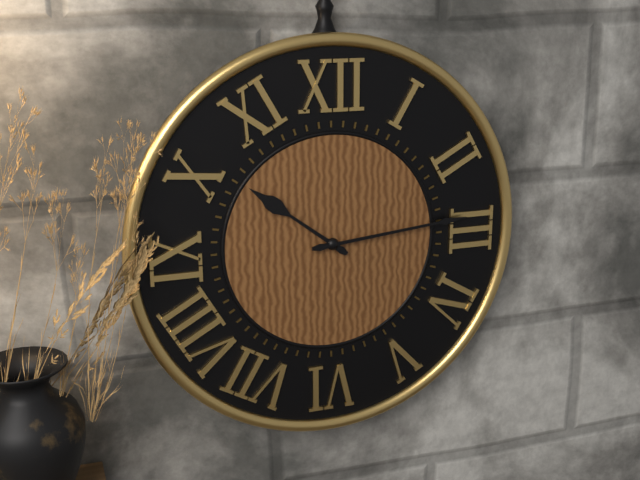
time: **10:14**
